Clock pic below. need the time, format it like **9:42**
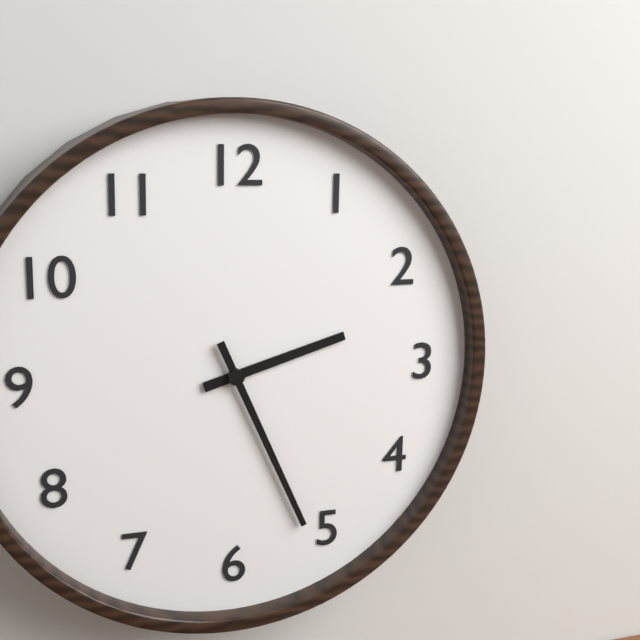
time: **2:26**
